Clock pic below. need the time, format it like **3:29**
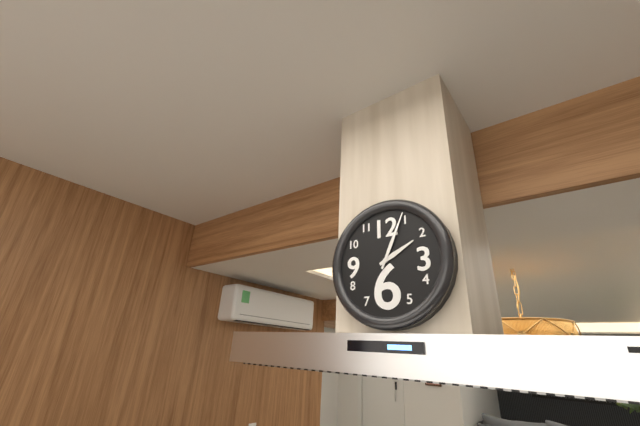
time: **2:04**
